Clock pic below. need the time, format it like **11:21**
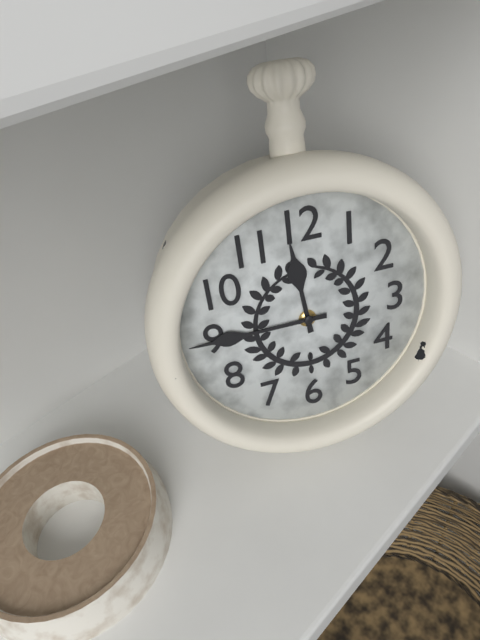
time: **11:45**
